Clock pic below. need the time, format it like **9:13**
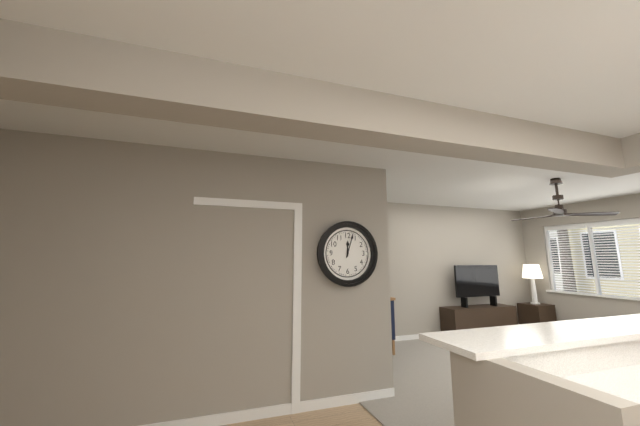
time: **12:03**
